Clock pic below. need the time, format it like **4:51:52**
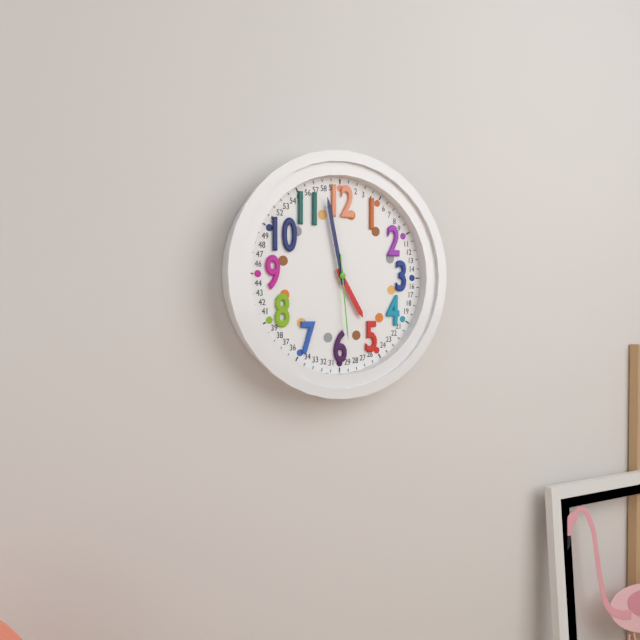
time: **4:58:29**
